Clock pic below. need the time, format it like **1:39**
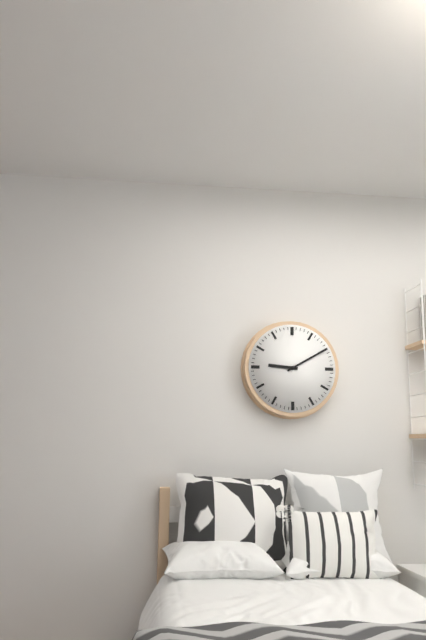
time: **9:10**
